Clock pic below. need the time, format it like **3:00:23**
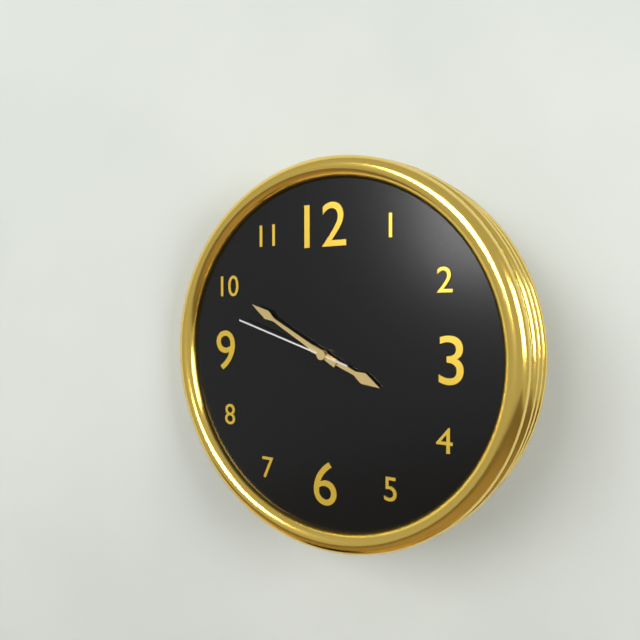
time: **3:50:48**
